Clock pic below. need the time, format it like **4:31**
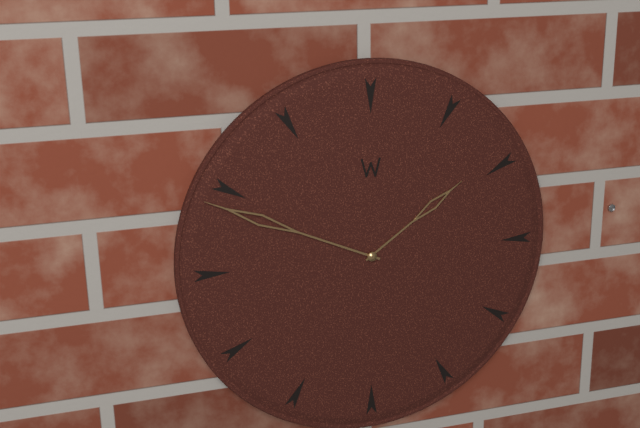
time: **1:49**
